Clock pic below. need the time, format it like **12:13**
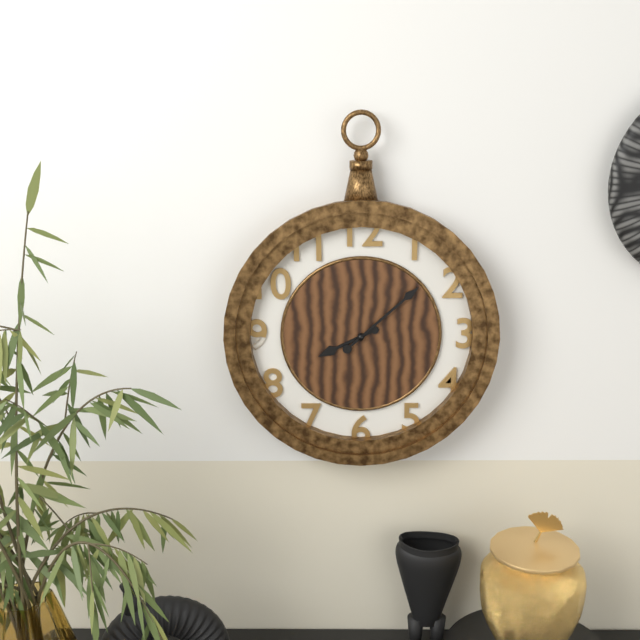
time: **8:08**
